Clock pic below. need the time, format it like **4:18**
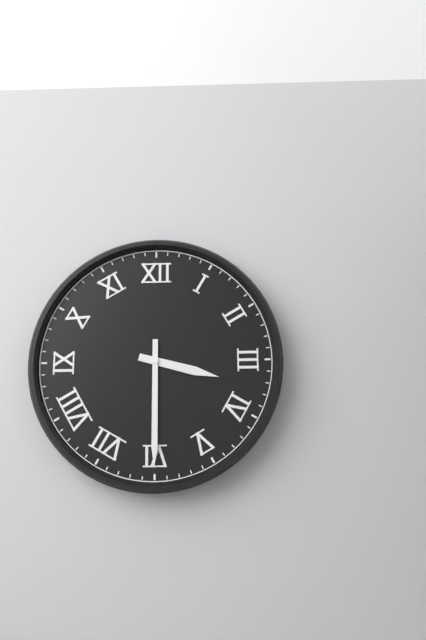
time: **3:30**
